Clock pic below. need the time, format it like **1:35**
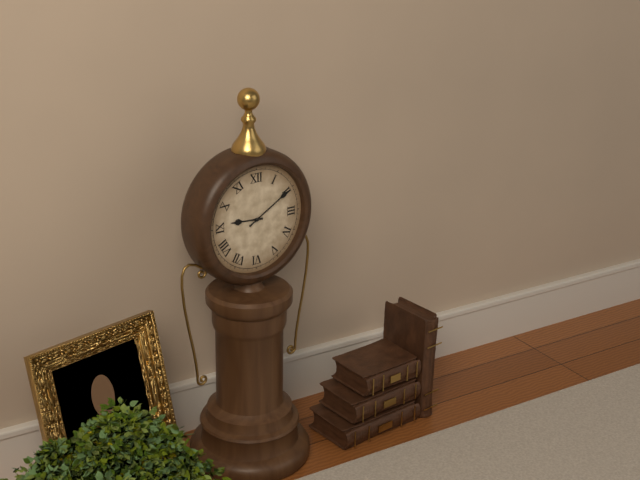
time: **9:10**
